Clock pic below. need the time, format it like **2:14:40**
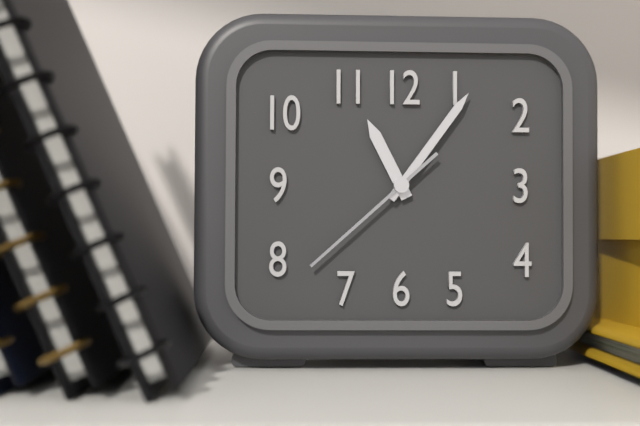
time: **11:06:38**
